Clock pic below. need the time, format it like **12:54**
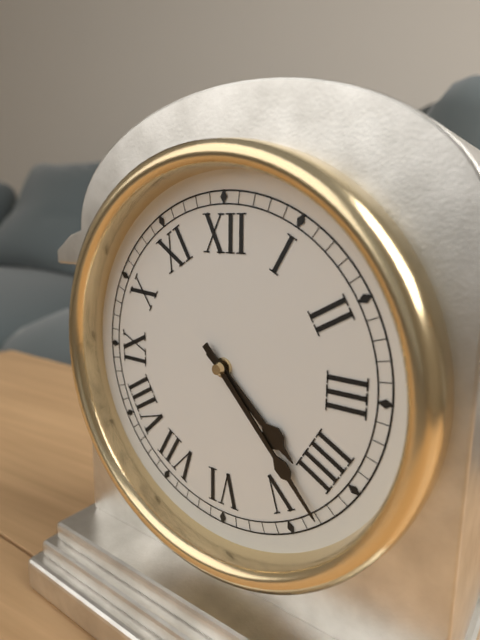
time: **4:23**
